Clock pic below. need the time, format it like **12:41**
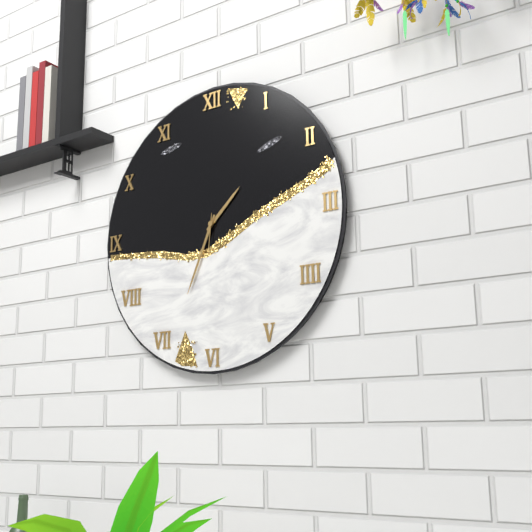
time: **1:34**
